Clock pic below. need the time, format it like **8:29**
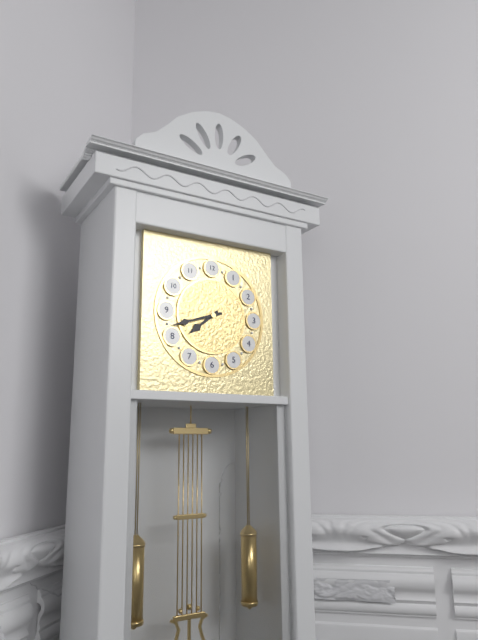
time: **7:42**
